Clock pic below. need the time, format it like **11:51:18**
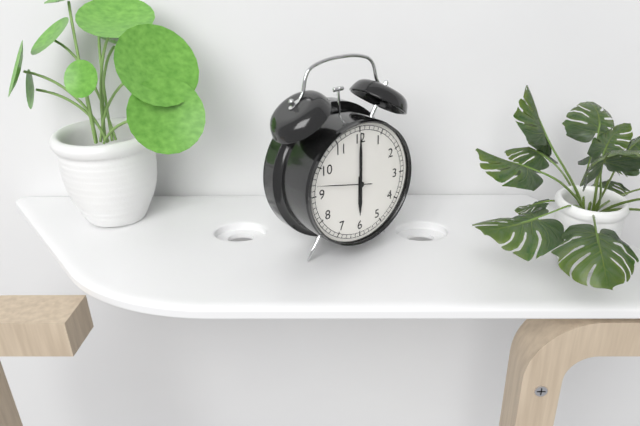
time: **6:00:47**
